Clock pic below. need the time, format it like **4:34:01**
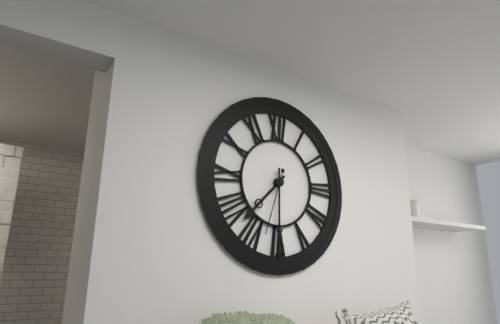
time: **7:30:33**
